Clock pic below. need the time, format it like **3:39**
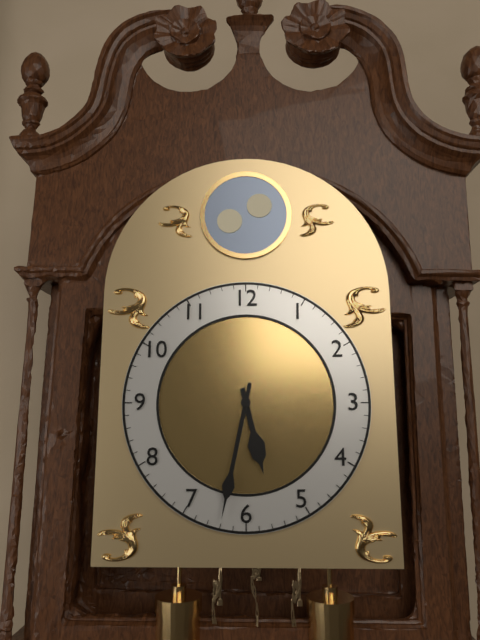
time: **5:32**
